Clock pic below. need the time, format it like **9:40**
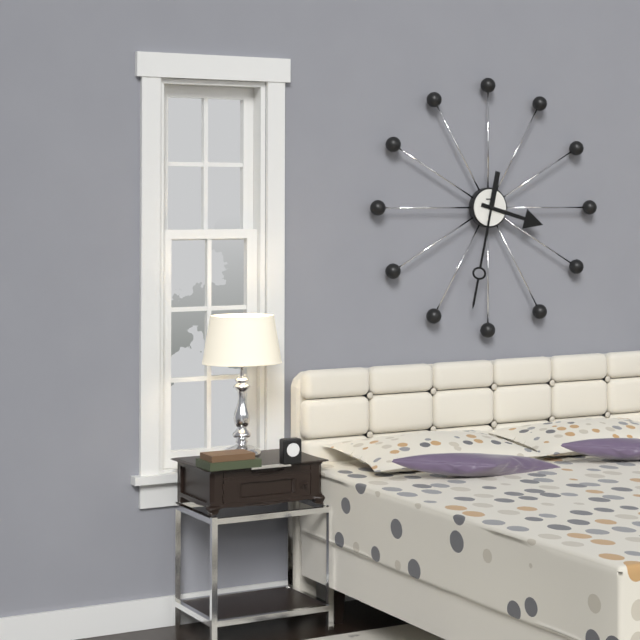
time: **3:32**
